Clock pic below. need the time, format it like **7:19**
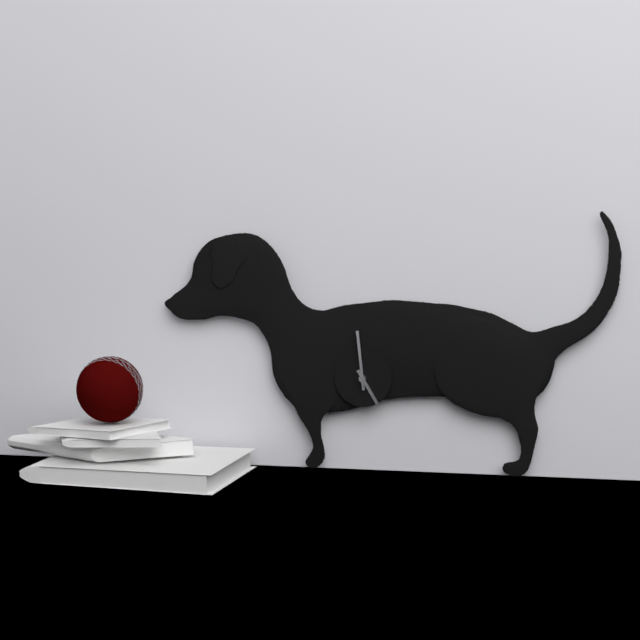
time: **4:59**
